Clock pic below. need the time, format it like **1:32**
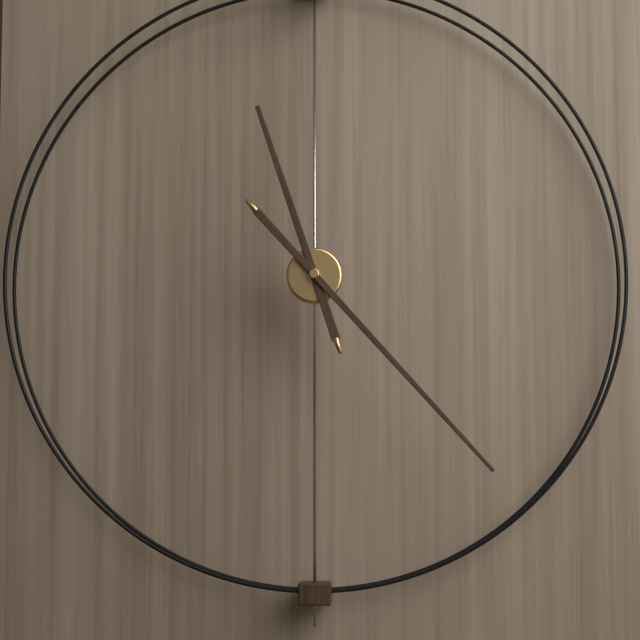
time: **11:23**
